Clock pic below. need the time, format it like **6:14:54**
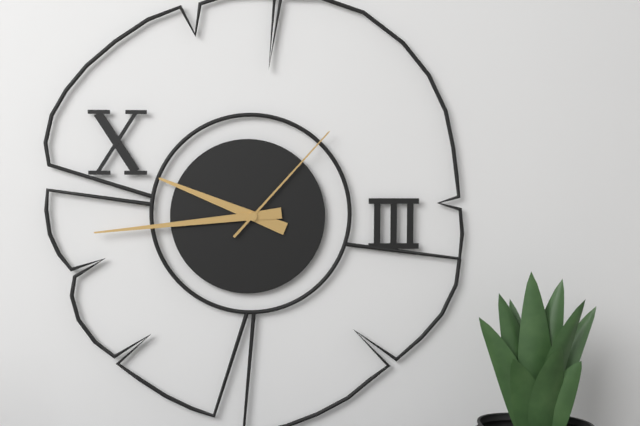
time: **9:44:07**
